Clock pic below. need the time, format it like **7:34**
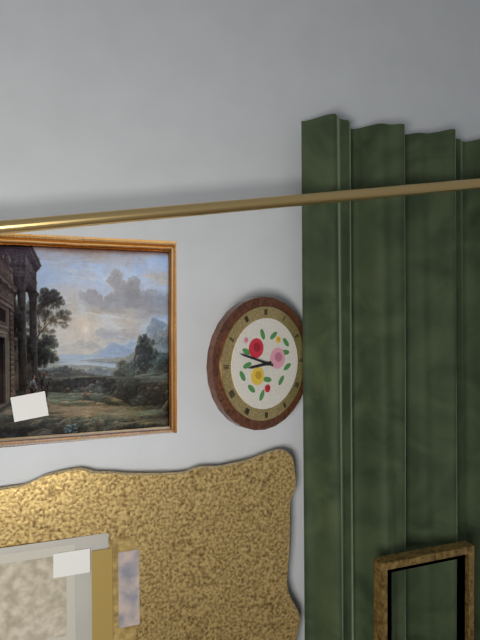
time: **8:48**
